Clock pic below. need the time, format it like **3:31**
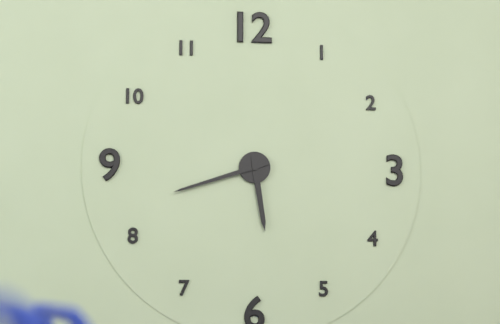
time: **5:42**
